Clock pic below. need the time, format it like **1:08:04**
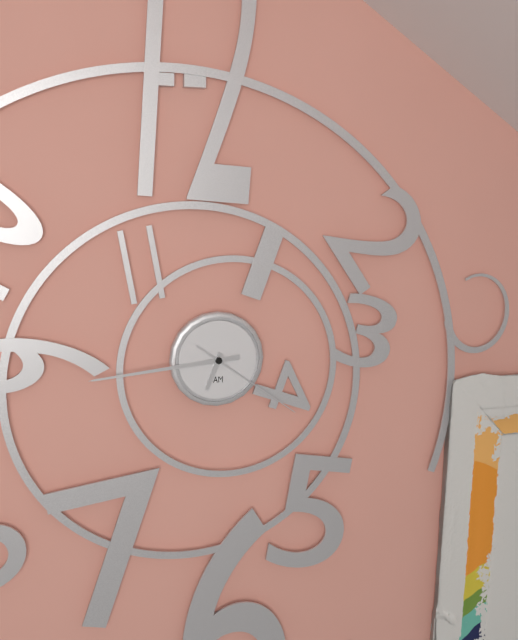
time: **6:44:21**
